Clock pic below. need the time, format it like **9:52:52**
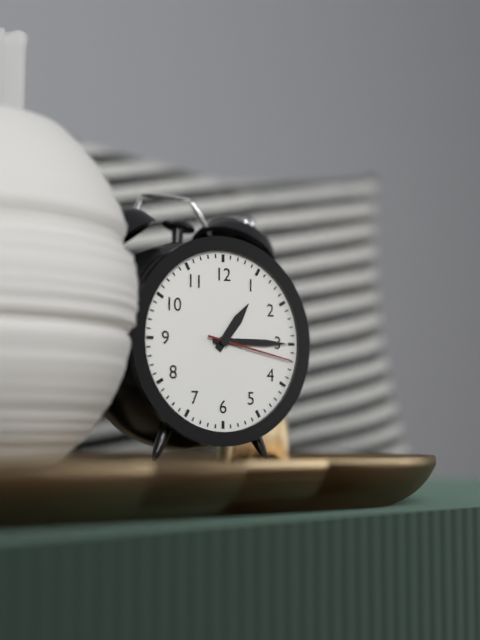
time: **1:15:17**
